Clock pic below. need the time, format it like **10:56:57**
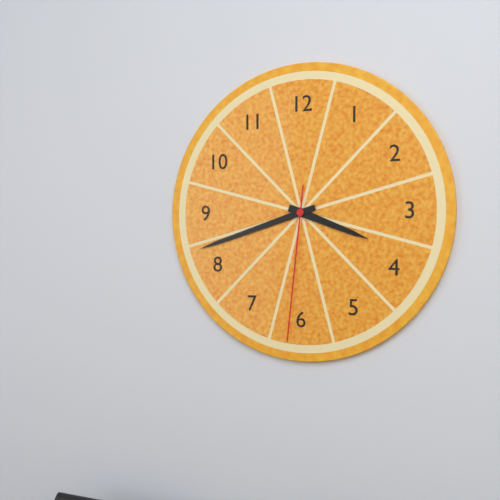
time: **3:42:31**
